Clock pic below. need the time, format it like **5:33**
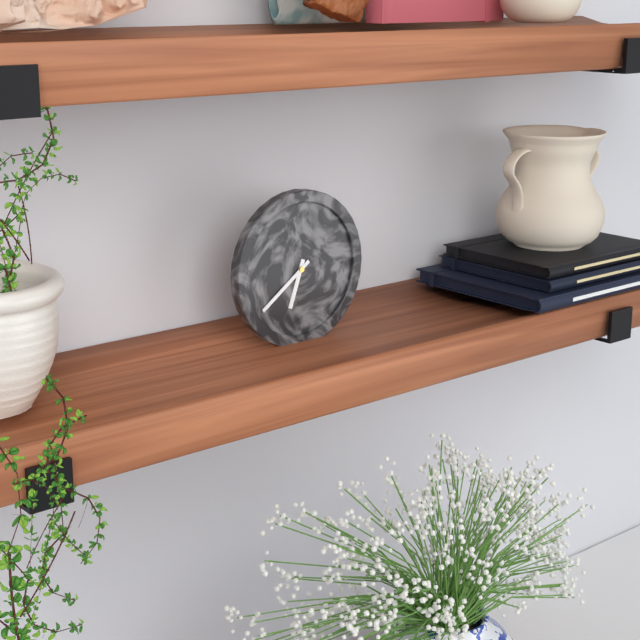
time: **6:39**
